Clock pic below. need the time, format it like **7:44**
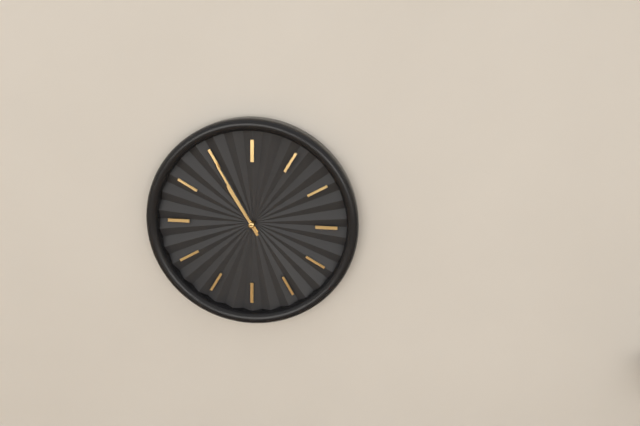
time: **10:55**
